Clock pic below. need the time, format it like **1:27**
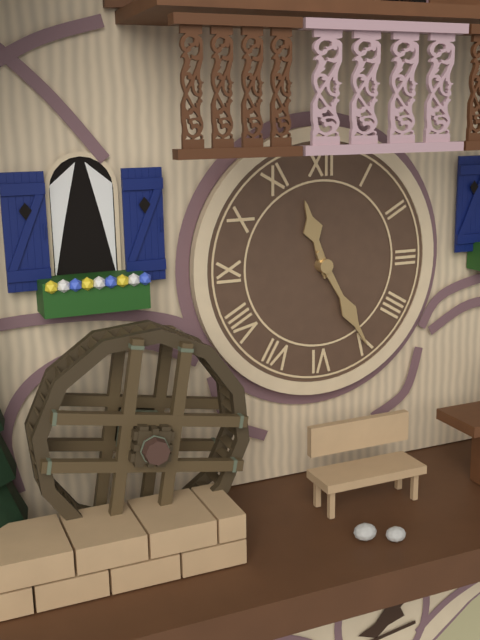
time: **11:25**
